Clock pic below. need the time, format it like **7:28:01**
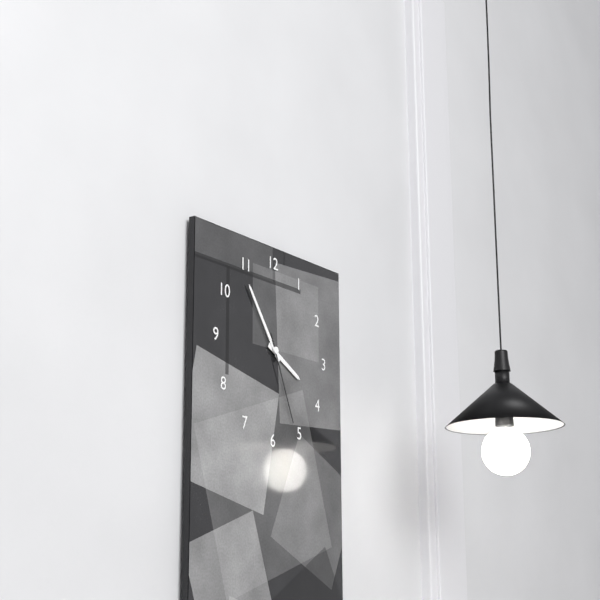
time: **3:54:26**
